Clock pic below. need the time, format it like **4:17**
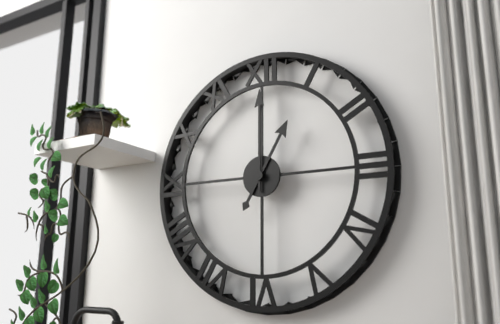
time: **1:00**
